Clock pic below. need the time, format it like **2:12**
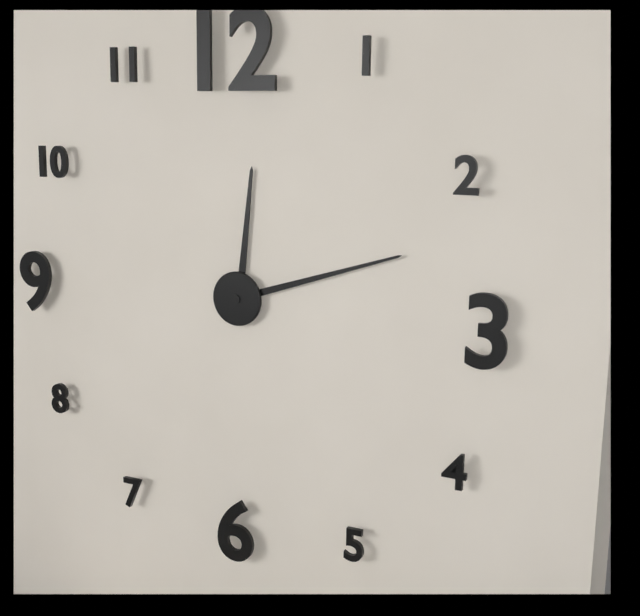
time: **12:12**
